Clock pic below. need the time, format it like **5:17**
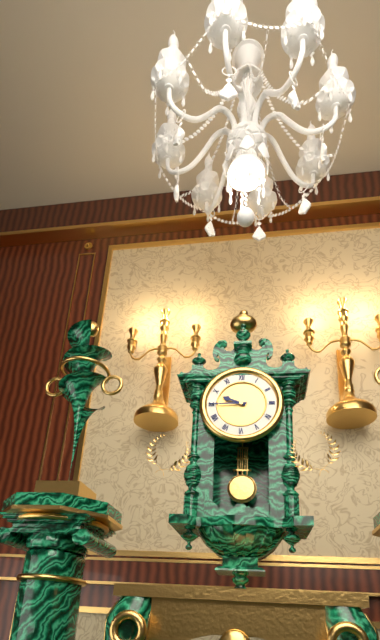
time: **9:45**
